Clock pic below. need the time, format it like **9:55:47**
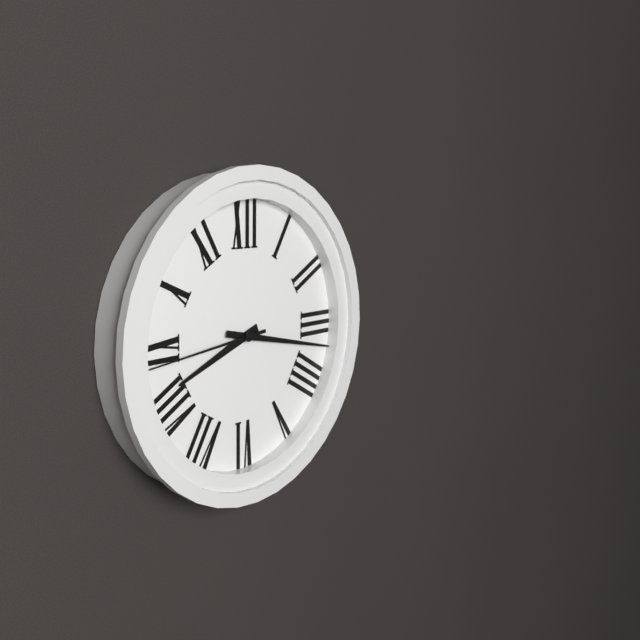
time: **8:17:44**
